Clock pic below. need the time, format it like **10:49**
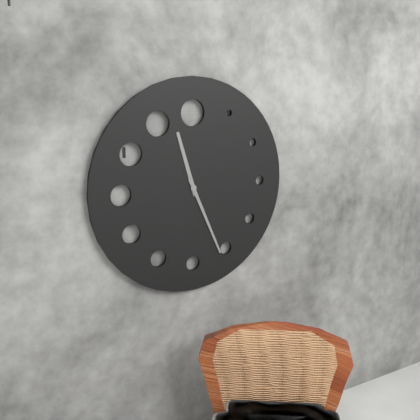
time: **11:26**
